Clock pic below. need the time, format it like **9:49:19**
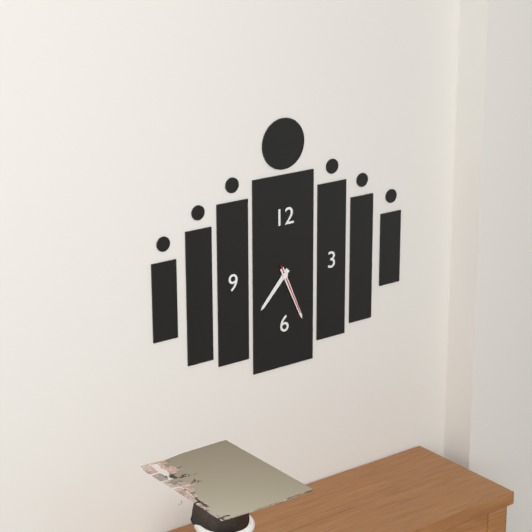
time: **7:26:26**
